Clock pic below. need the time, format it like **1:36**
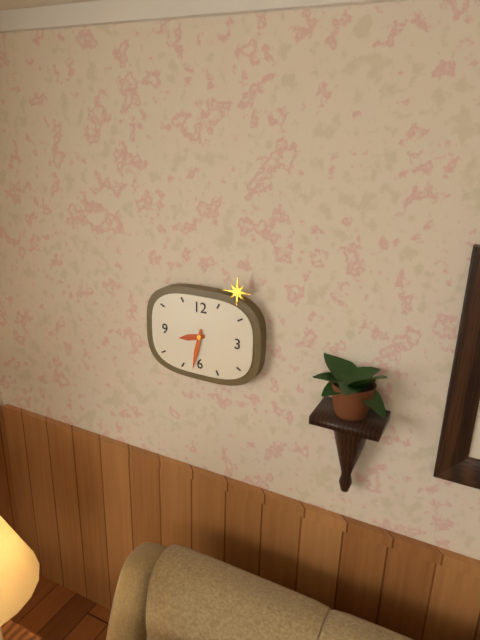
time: **8:32**
